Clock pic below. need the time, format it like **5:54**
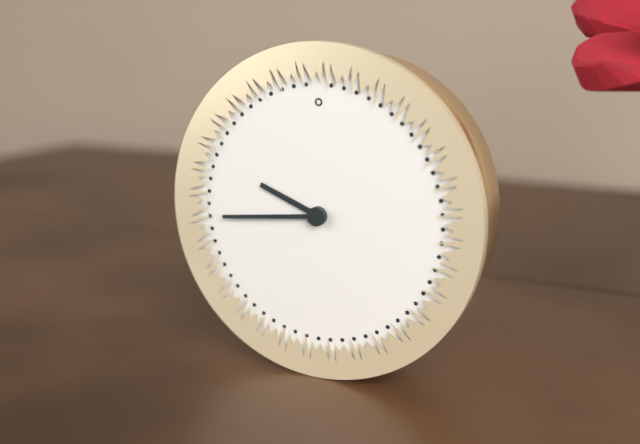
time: **9:44**
